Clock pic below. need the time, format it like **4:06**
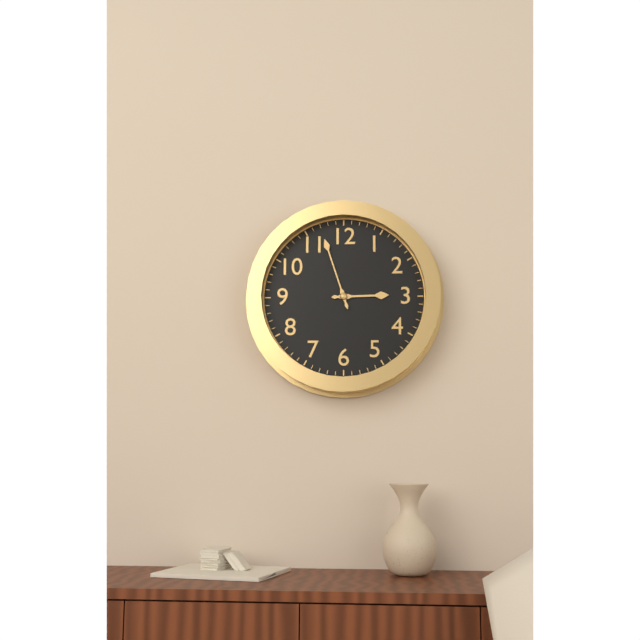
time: **2:57**
